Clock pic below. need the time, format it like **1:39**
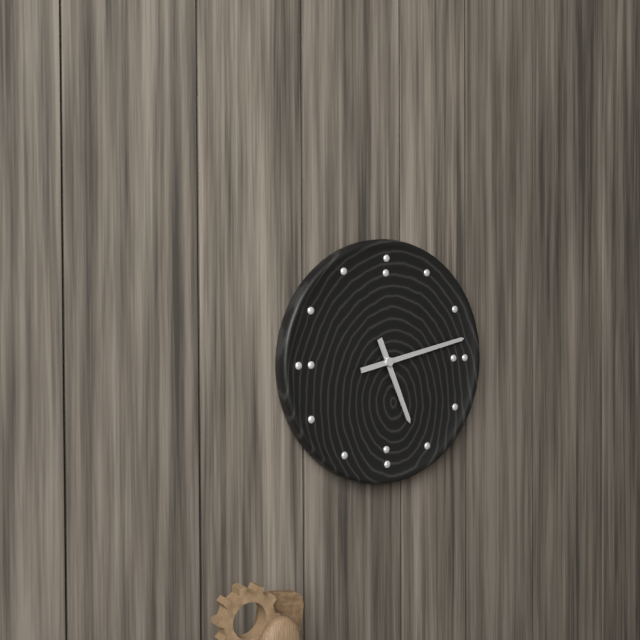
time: **5:13**
